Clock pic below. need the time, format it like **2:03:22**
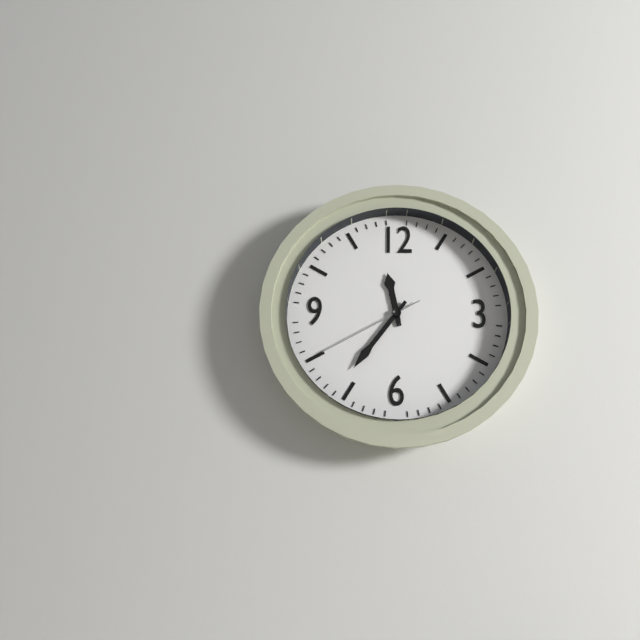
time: **11:36:40**
